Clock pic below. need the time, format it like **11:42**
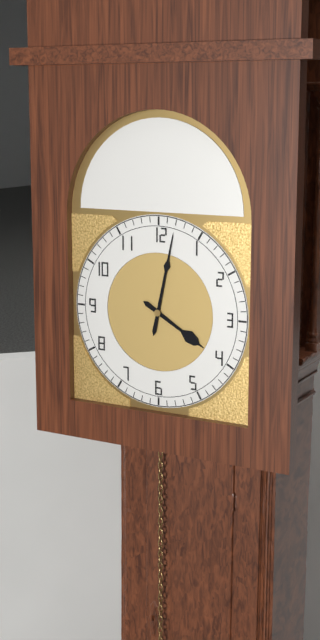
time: **4:02**
